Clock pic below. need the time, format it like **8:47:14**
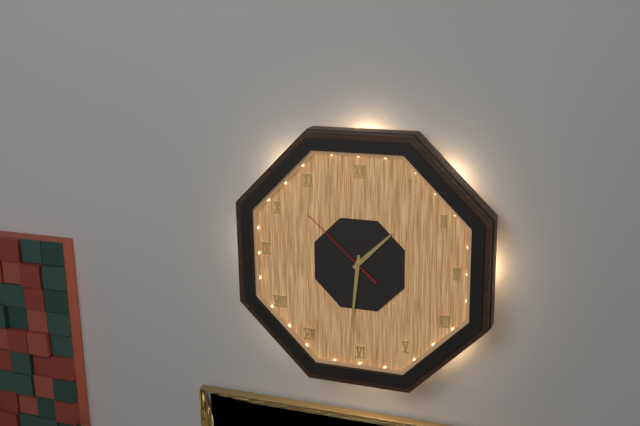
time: **1:31:52**
